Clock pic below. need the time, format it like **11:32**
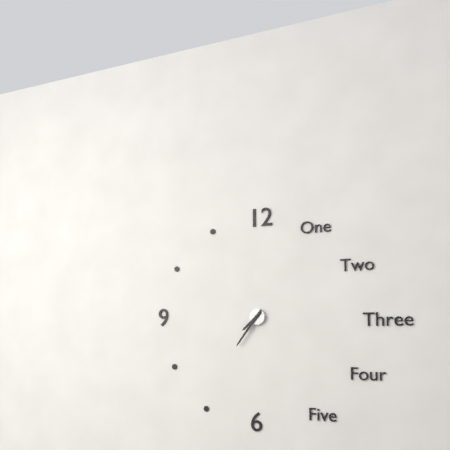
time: **7:36**
